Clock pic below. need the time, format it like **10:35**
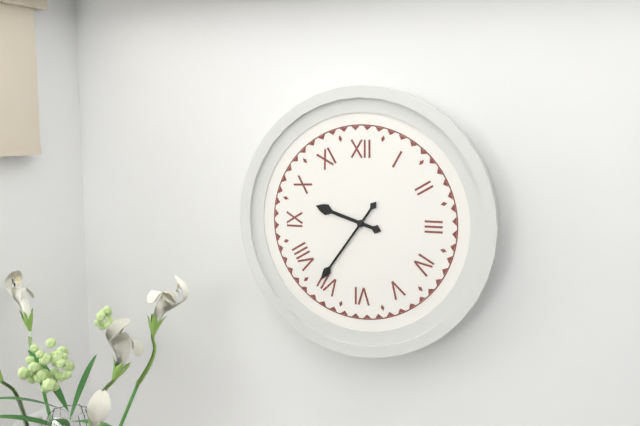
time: **9:36**
